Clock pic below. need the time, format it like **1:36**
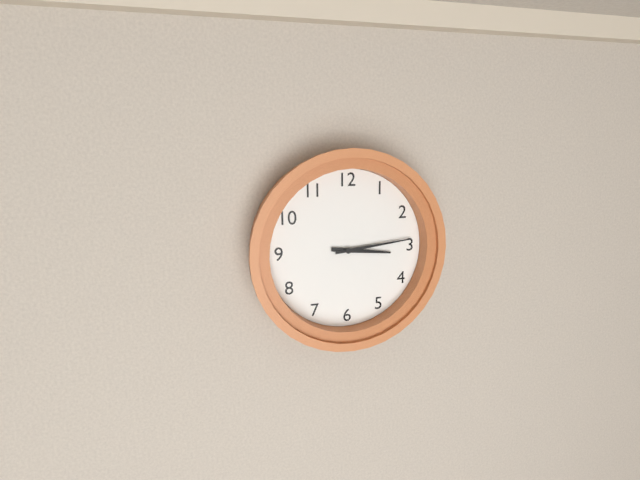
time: **3:14**
